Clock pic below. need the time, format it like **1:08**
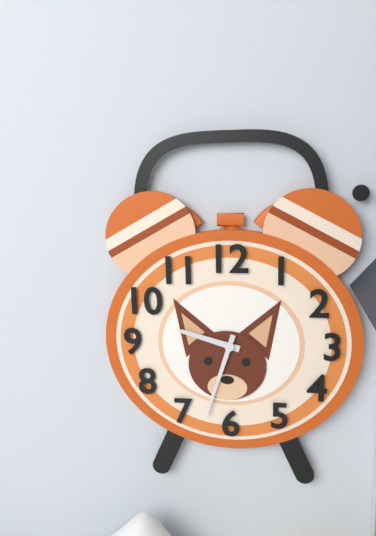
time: **9:33**
